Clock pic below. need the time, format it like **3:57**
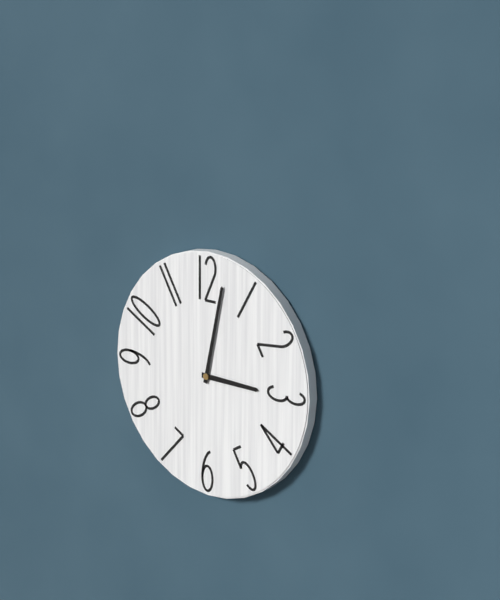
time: **3:02**
